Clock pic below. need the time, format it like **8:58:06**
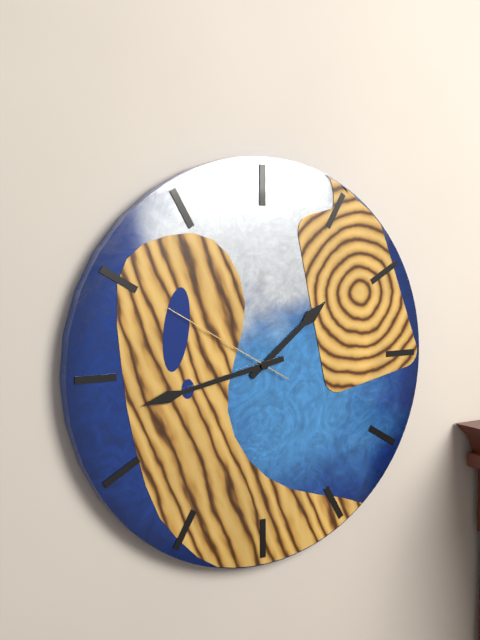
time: **1:43:50**
